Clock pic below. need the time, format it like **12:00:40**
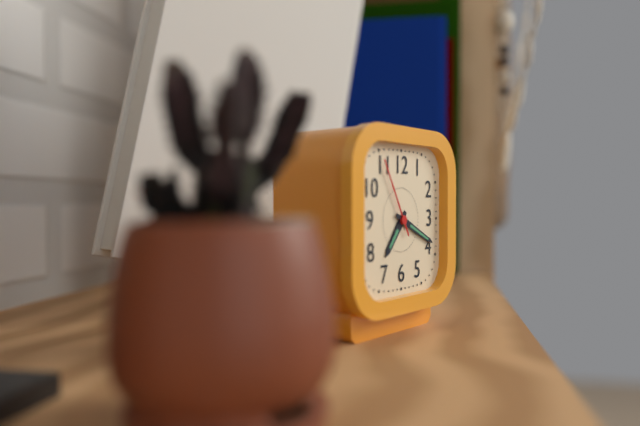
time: **7:19:55**
